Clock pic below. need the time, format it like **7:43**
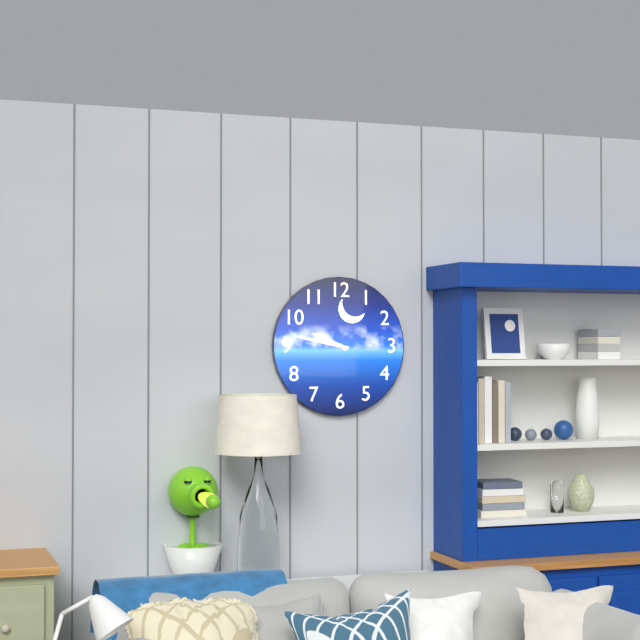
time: **9:47**
